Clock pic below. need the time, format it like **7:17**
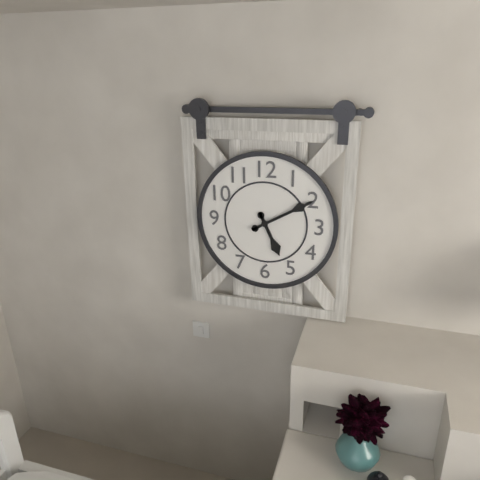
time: **5:10**
